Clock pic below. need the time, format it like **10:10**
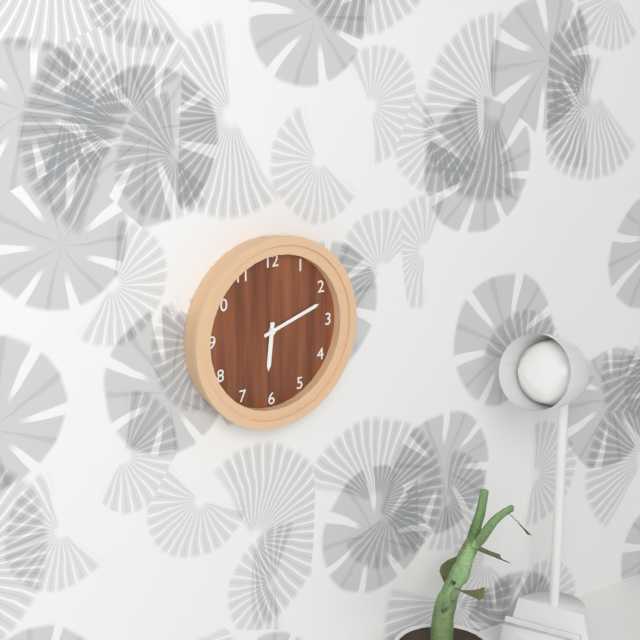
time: **6:12**
